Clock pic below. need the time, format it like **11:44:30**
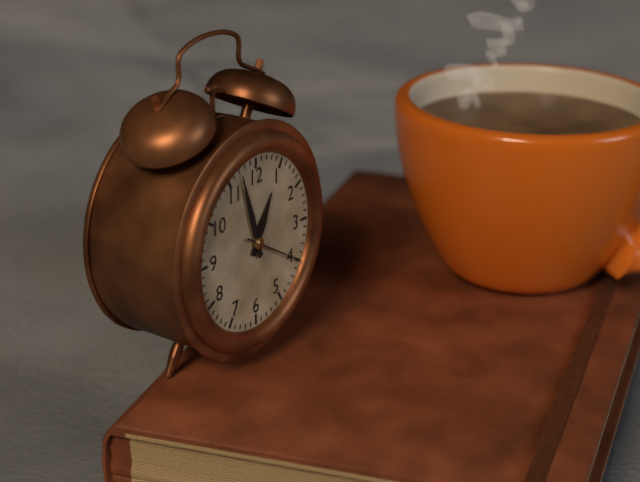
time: **12:57:20**
